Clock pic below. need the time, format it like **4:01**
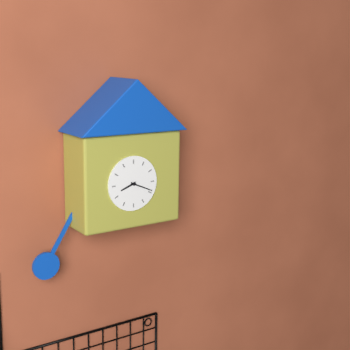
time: **8:19**
